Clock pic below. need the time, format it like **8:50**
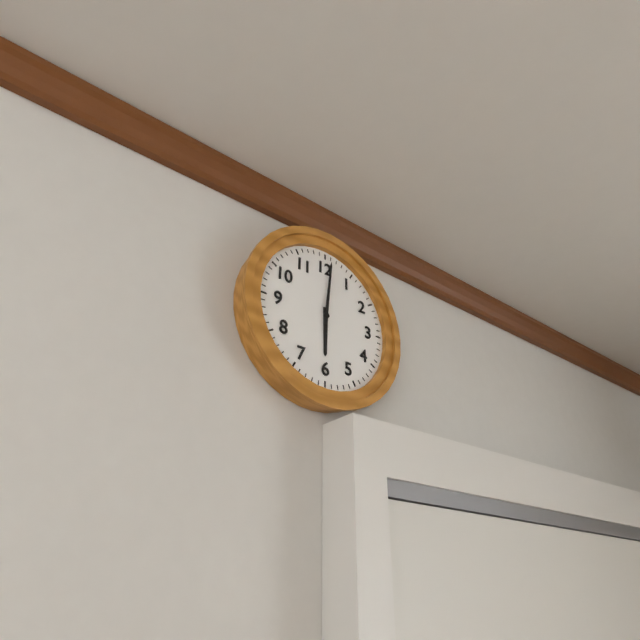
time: **6:01**
